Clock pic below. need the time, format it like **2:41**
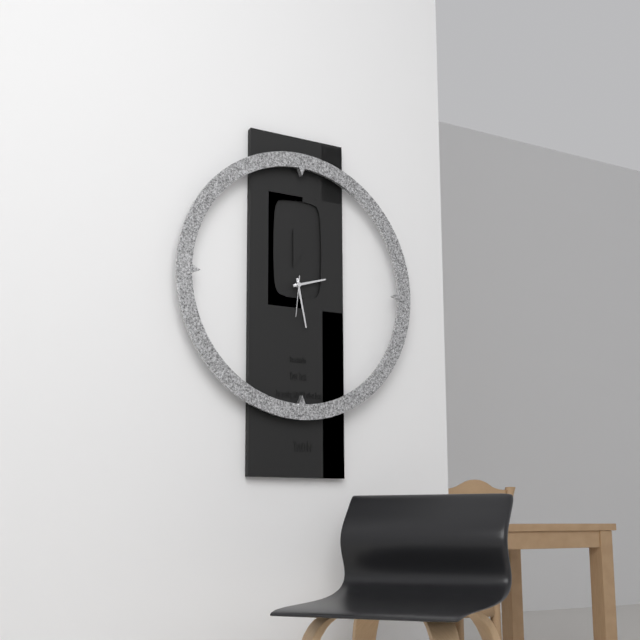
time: **2:28**
